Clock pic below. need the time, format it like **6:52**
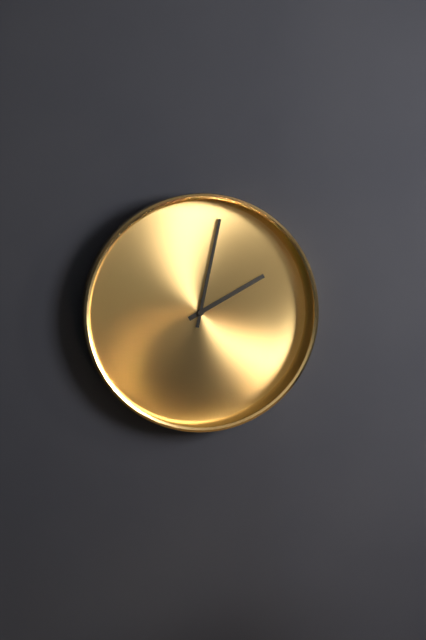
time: **2:02**
